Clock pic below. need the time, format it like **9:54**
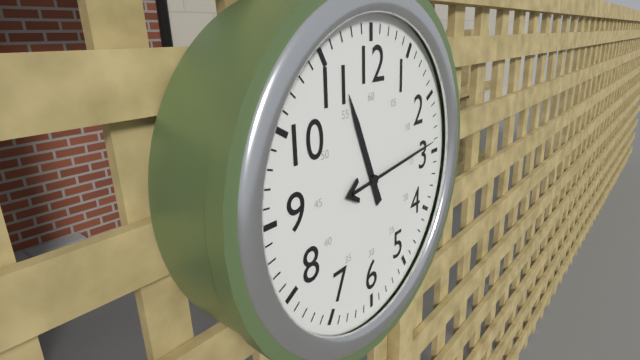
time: **11:14**
